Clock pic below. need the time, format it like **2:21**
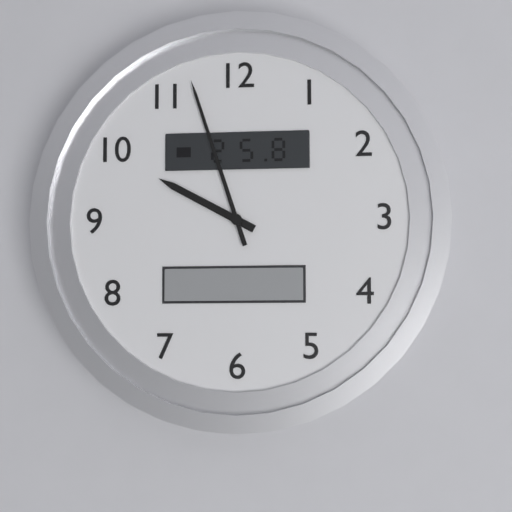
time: **9:57**
